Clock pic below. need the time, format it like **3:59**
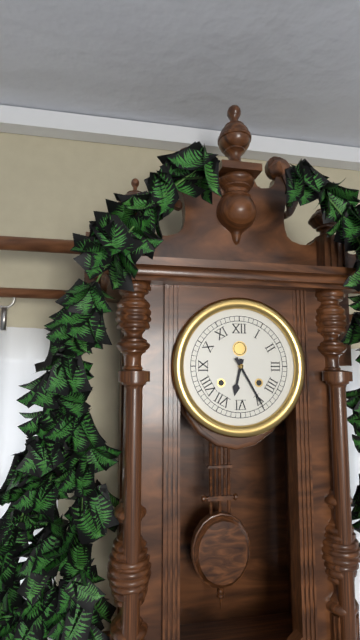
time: **6:25**
